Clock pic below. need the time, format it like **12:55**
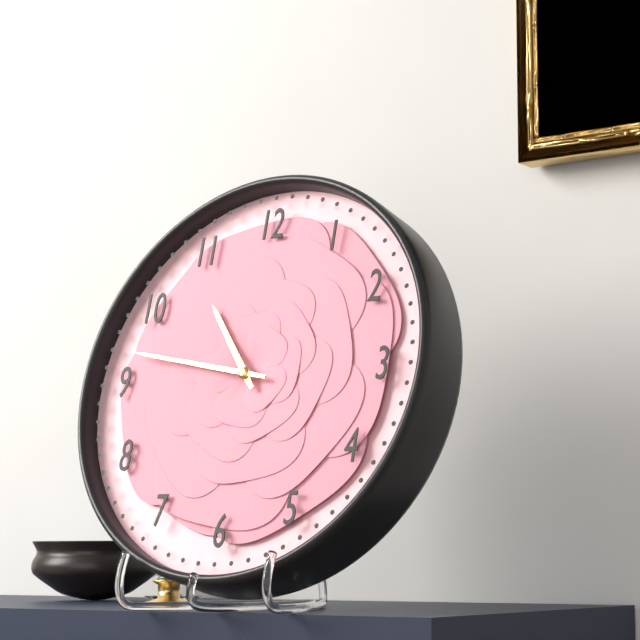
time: **10:47**
